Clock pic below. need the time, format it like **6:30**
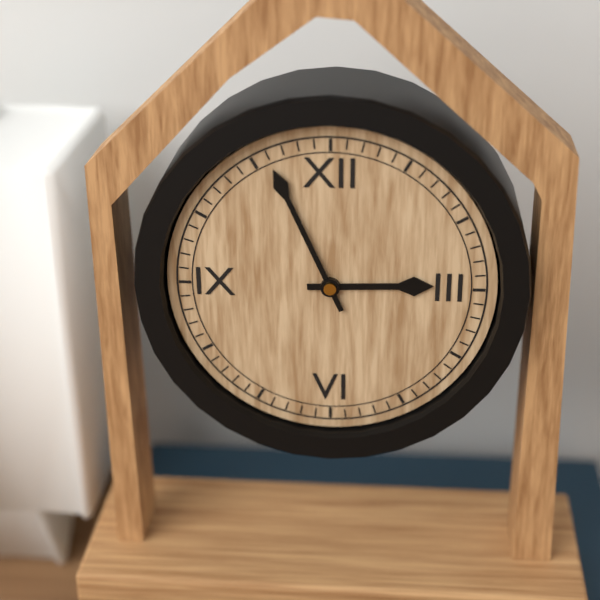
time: **2:56**
